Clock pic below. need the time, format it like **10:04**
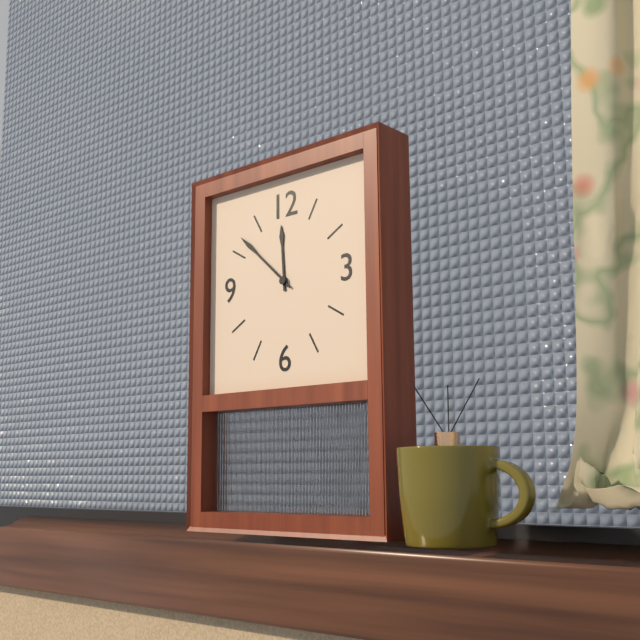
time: **11:52**
